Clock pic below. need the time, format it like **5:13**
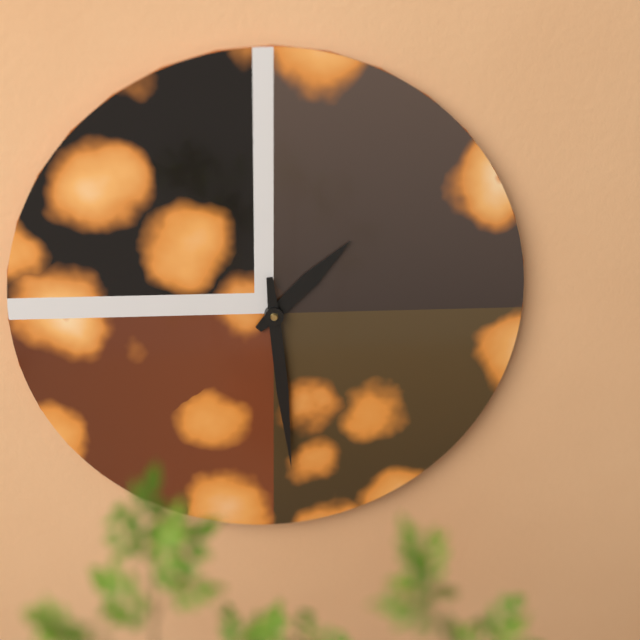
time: **1:29**
